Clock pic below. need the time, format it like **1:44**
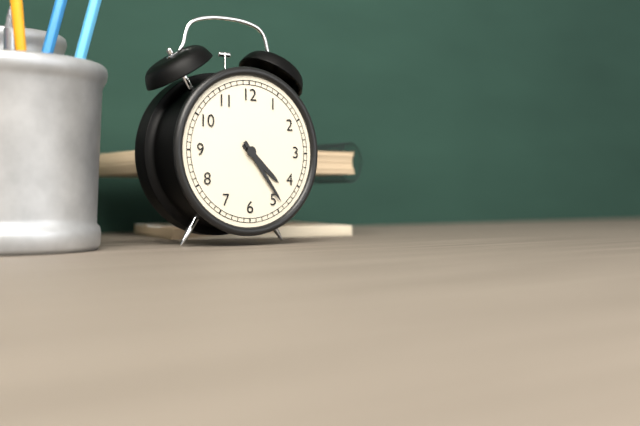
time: **4:24**
